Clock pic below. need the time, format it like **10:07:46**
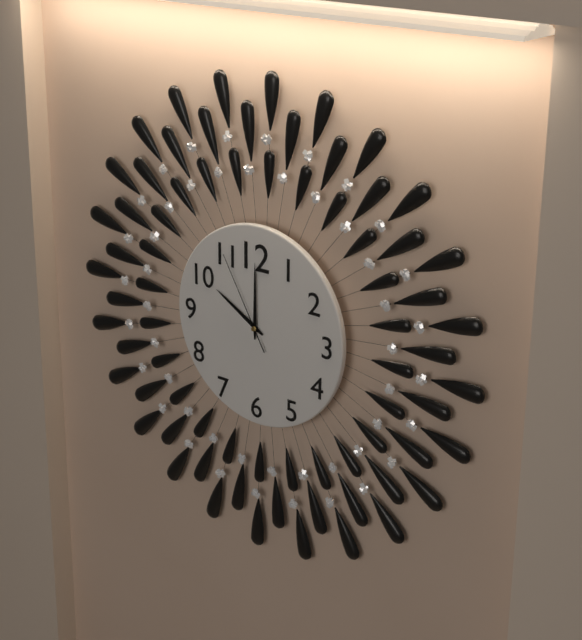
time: **10:00:55**
